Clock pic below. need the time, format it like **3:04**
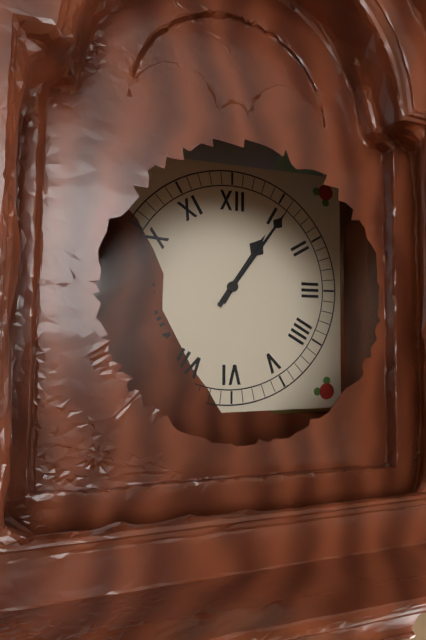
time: **1:06**
